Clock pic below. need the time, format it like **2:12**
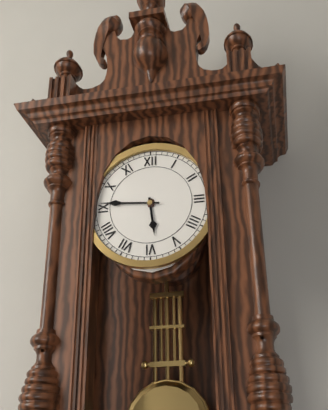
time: **5:46**
